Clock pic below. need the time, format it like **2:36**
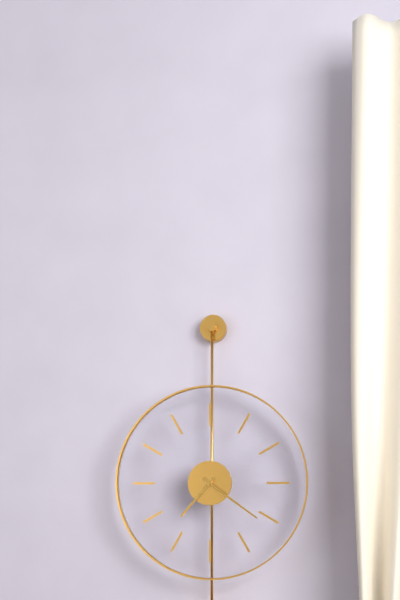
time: **7:21**
